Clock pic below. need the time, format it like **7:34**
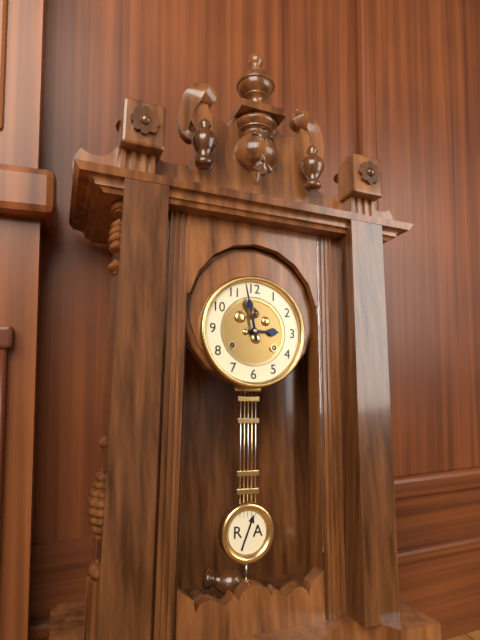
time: **2:58**
